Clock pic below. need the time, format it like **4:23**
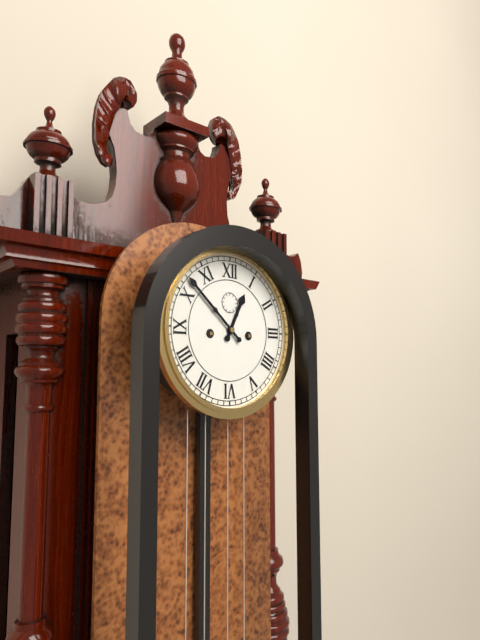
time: **12:52**
